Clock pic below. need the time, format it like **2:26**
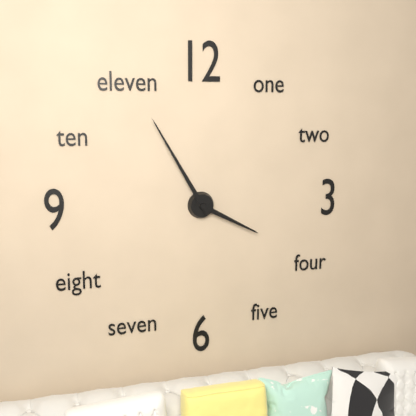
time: **3:55**
